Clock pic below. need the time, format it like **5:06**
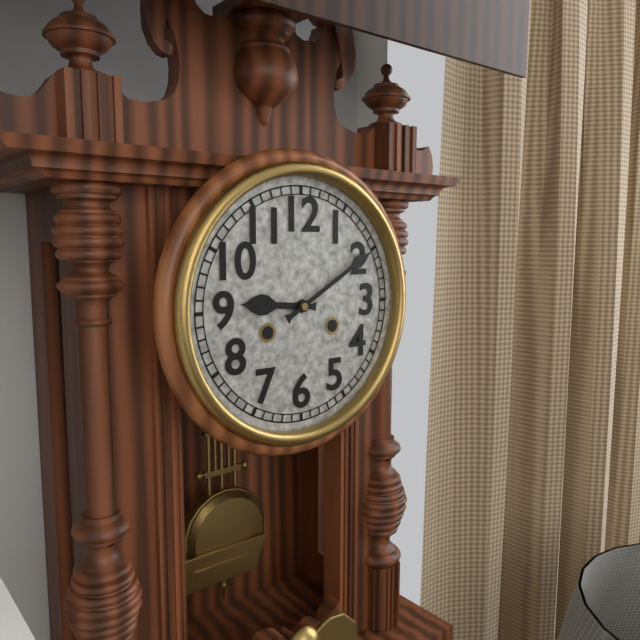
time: **9:10**
